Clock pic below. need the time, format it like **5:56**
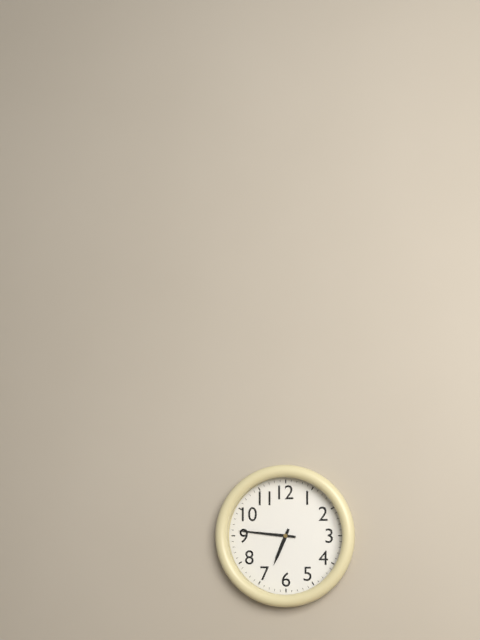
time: **6:46**
